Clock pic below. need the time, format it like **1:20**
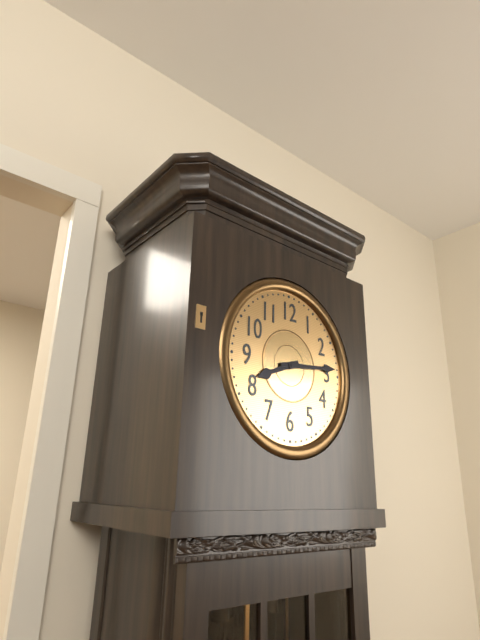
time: **8:14**
